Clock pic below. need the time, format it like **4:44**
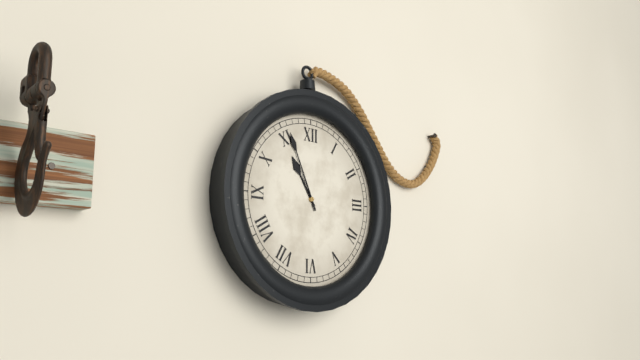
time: **10:56**
